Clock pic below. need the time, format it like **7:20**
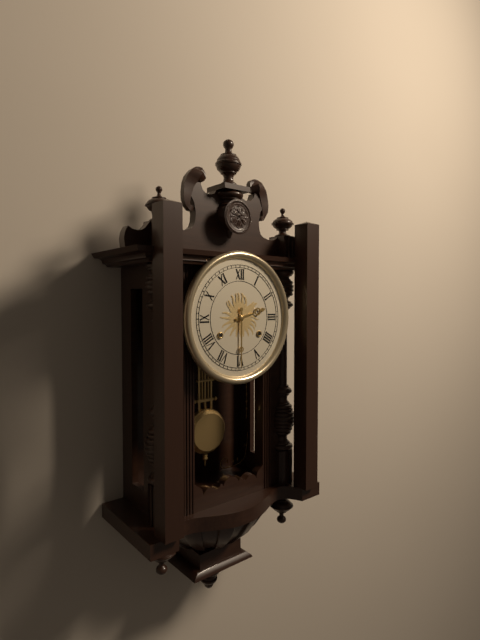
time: **2:30**
